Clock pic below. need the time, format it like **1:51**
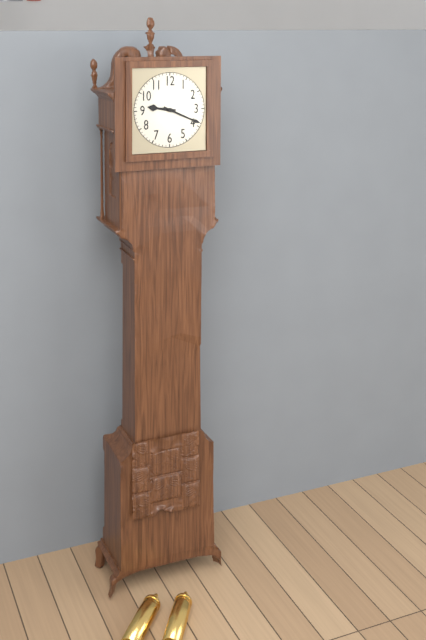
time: **9:19**
